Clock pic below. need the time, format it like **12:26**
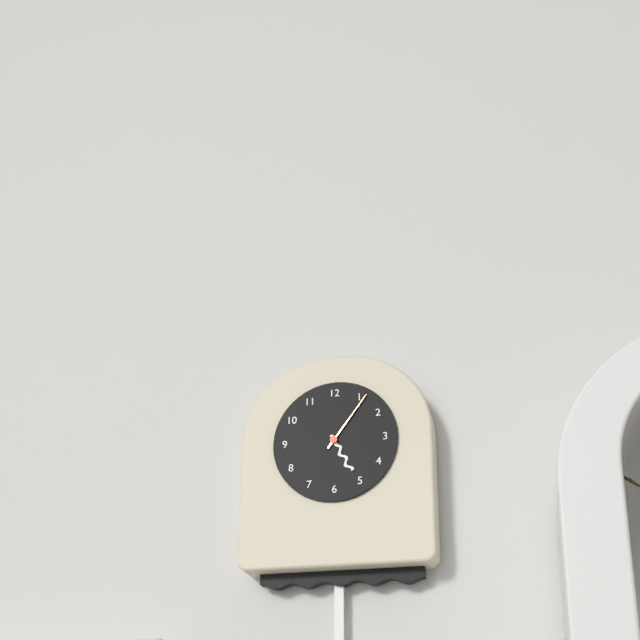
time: **5:06**
